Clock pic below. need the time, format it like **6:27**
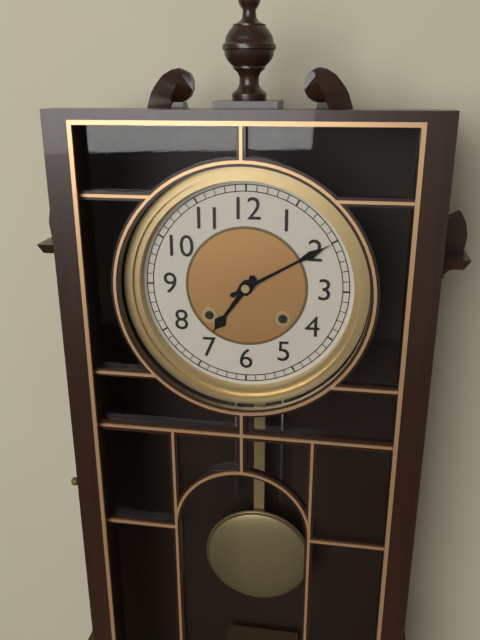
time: **7:10**
